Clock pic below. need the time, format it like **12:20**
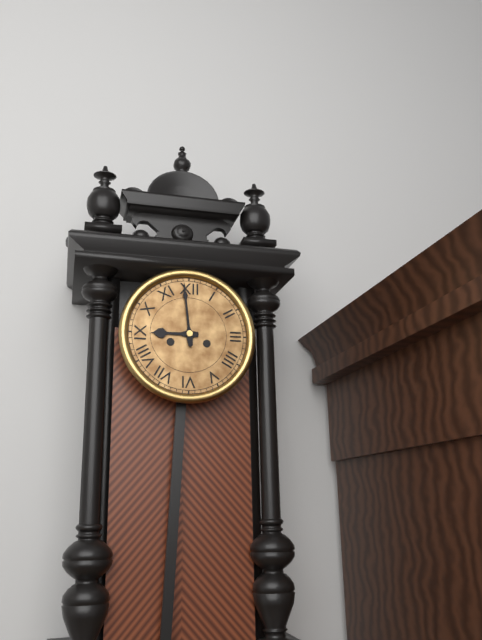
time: **8:59**
